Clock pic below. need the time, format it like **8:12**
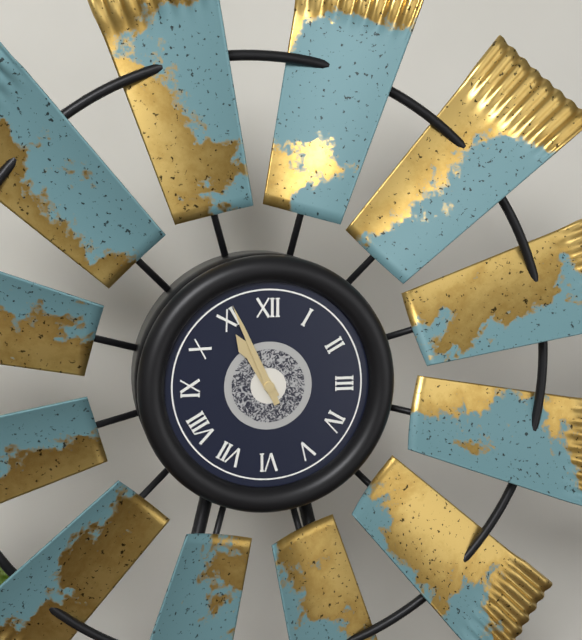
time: **10:56**
